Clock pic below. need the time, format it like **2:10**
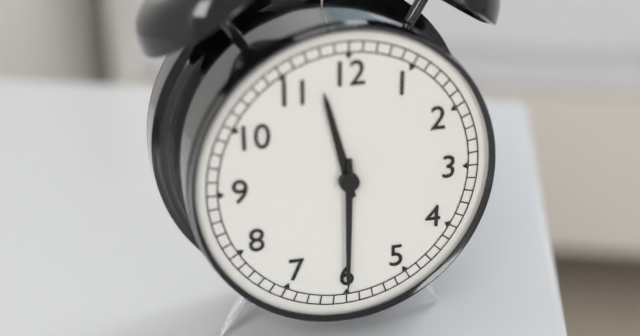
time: **11:30**
